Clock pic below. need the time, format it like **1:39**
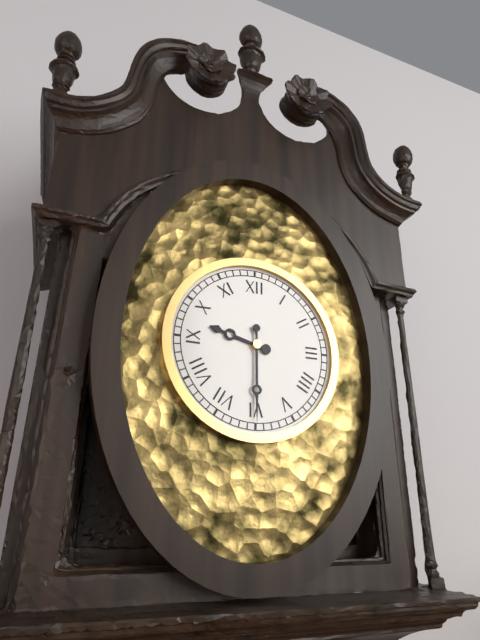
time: **9:30**
